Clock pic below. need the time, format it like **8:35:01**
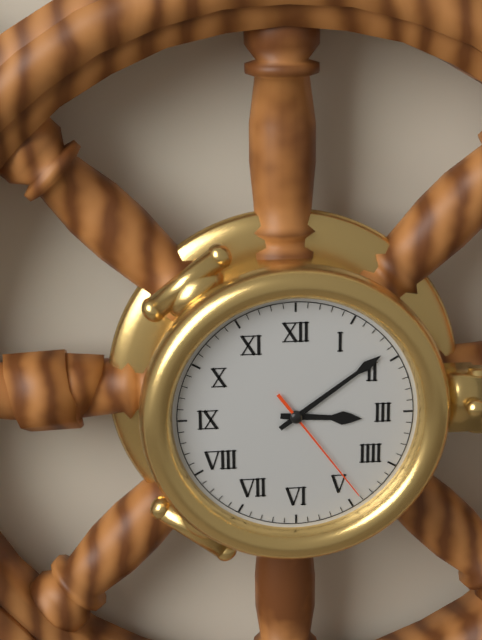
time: **3:09:24**
